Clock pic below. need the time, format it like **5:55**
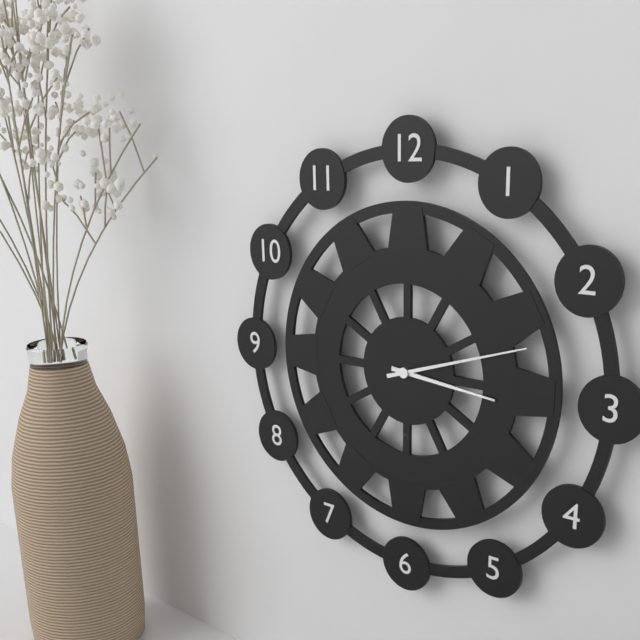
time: **3:12**
